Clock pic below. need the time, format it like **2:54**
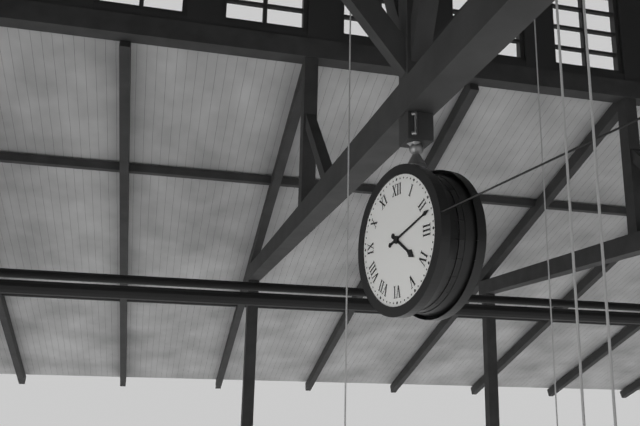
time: **4:12**
